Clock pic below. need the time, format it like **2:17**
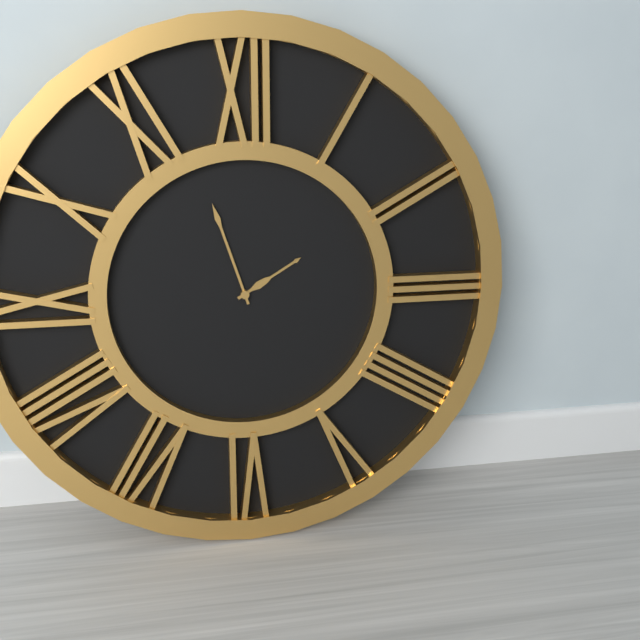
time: **1:57**
